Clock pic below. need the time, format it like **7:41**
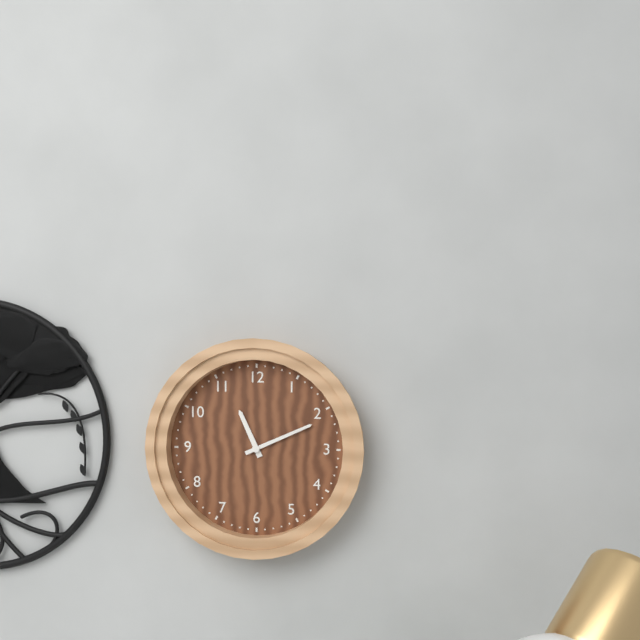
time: **11:11**
